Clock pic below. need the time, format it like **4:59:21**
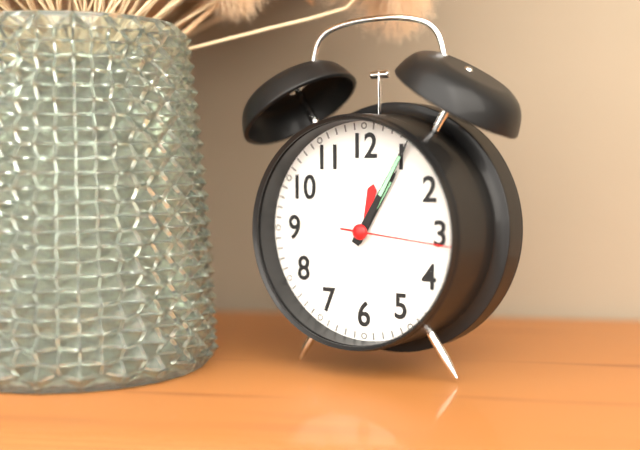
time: **1:05:16**
